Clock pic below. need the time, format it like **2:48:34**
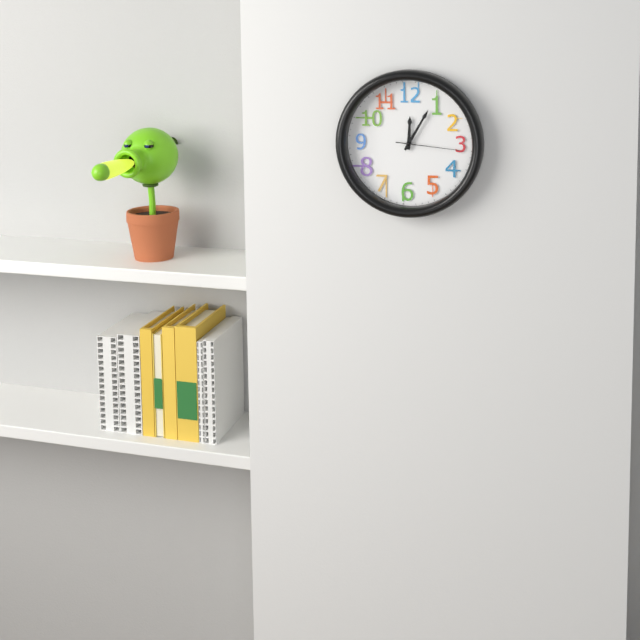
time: **12:05:16**
